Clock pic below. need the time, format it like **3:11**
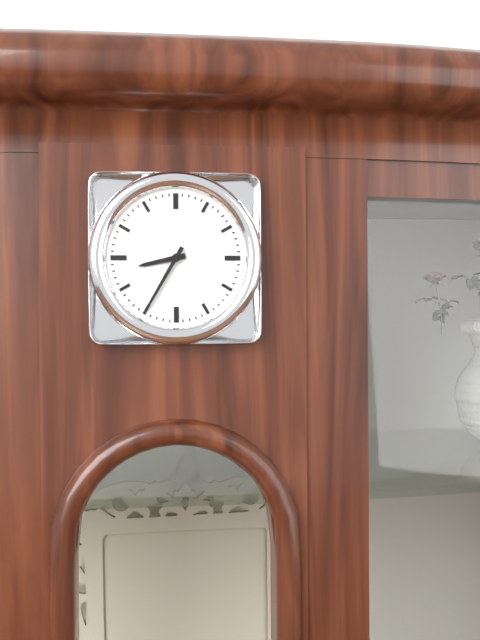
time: **8:35**
